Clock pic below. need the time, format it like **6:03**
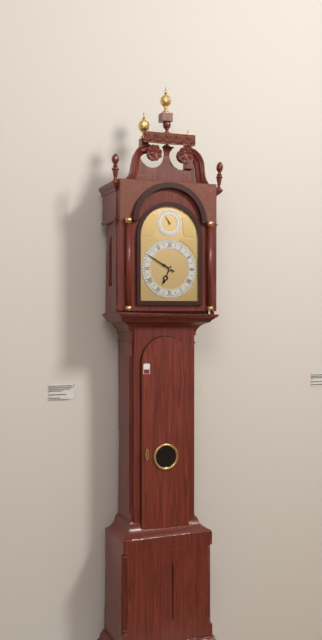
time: **6:50**
